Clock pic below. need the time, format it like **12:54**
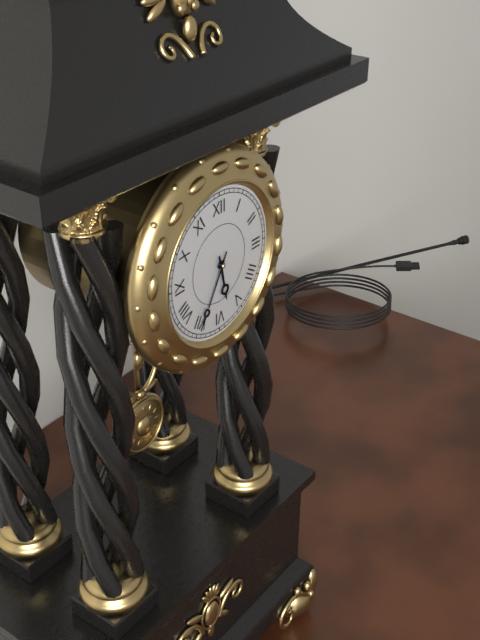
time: **5:35**
